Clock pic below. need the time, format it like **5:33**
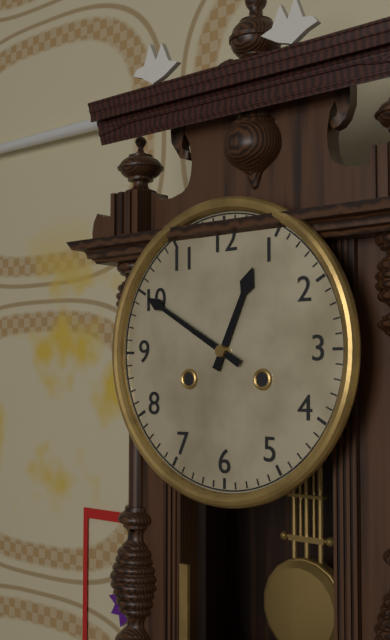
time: **12:50**
